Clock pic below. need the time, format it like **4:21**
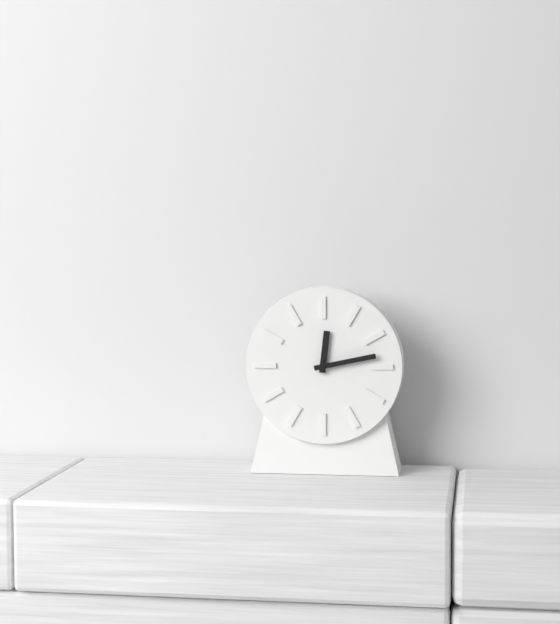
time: **12:13**
